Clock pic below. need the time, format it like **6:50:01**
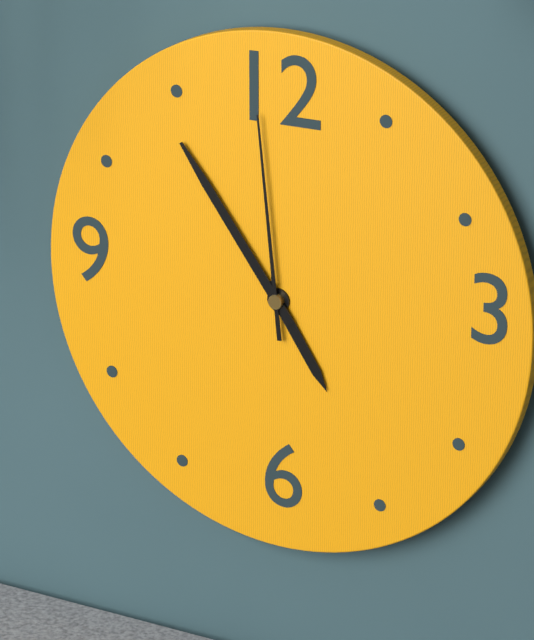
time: **4:54:59**
